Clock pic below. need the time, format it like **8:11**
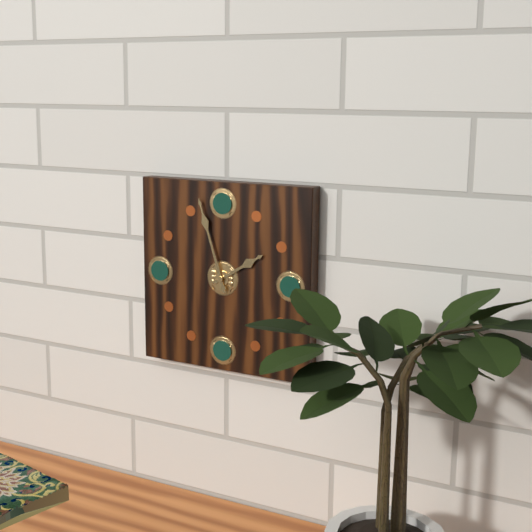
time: **1:57**
